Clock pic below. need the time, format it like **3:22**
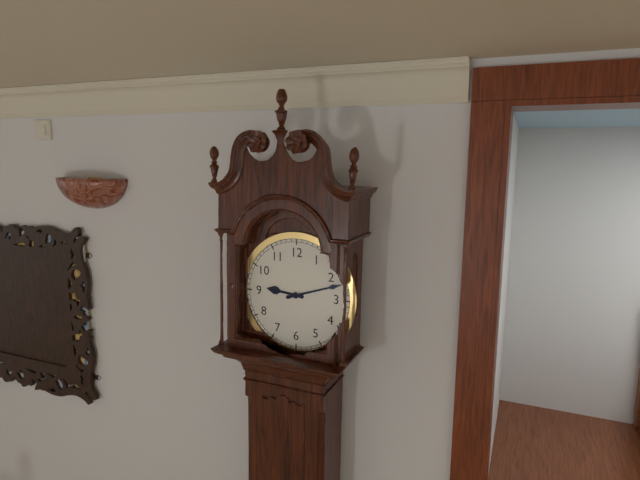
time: **9:12**
